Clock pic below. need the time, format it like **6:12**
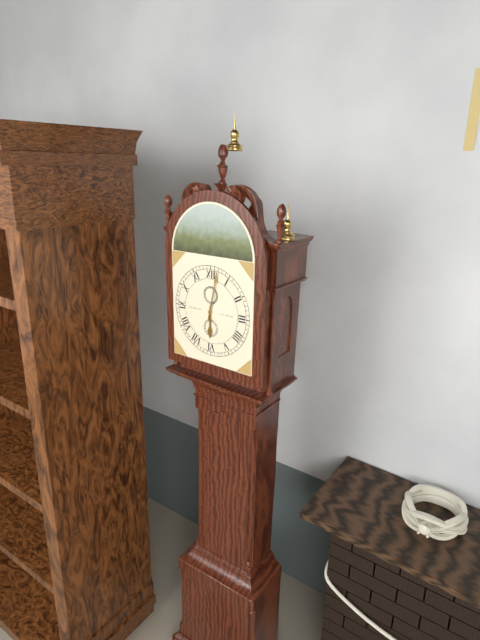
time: **6:02**
